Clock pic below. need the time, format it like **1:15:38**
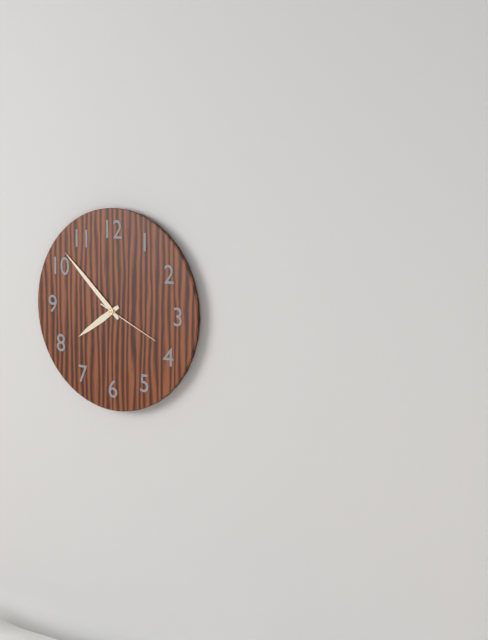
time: **7:52:19**
